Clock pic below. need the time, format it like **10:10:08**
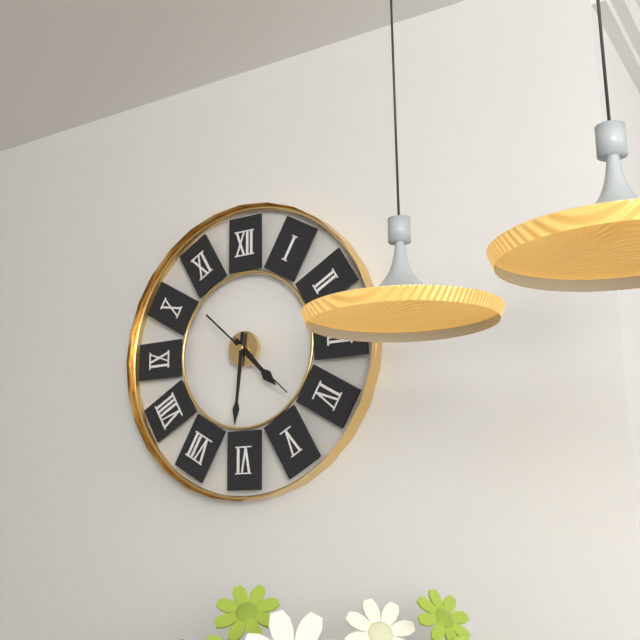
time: **4:31:22**
